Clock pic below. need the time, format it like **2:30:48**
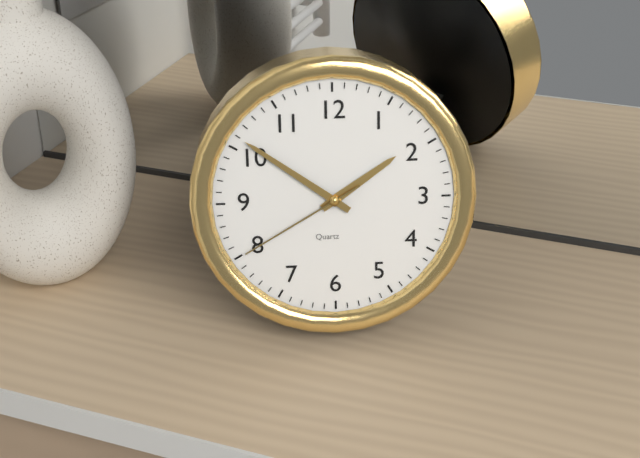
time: **1:51:40**
